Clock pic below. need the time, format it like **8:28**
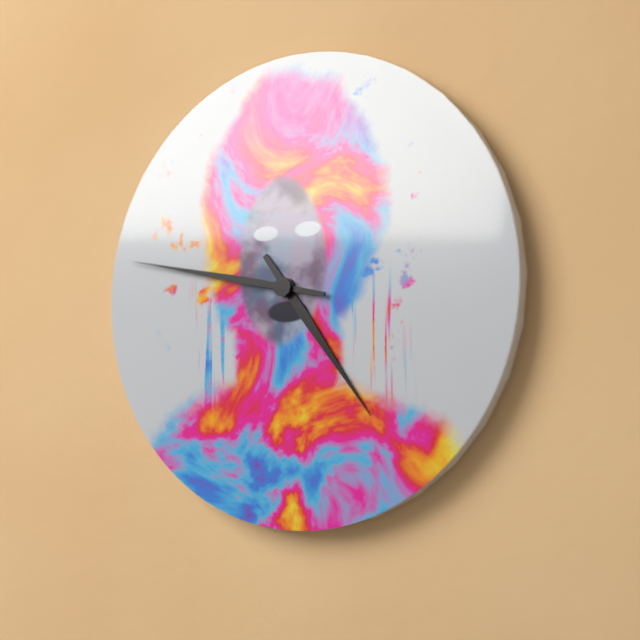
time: **4:47**
